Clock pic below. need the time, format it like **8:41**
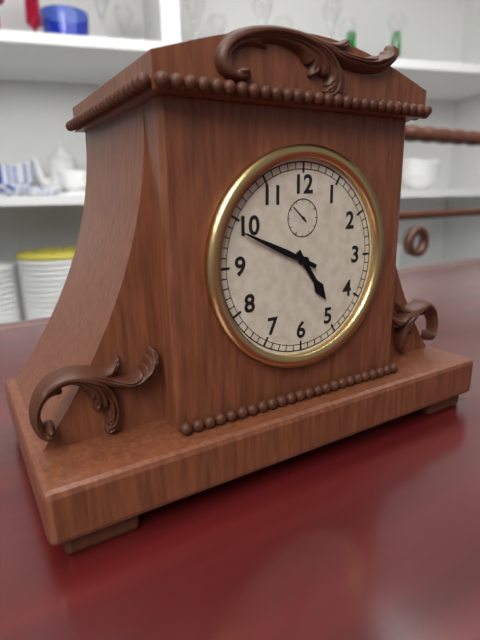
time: **4:49**
